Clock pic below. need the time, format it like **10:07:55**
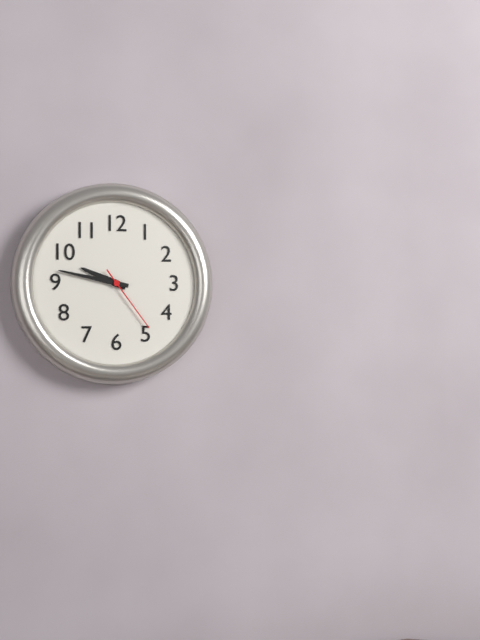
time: **9:47:24**
